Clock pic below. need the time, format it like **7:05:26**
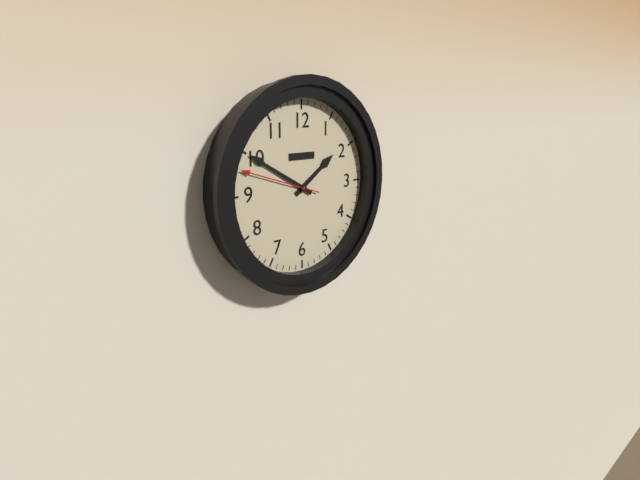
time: **1:50:48**
